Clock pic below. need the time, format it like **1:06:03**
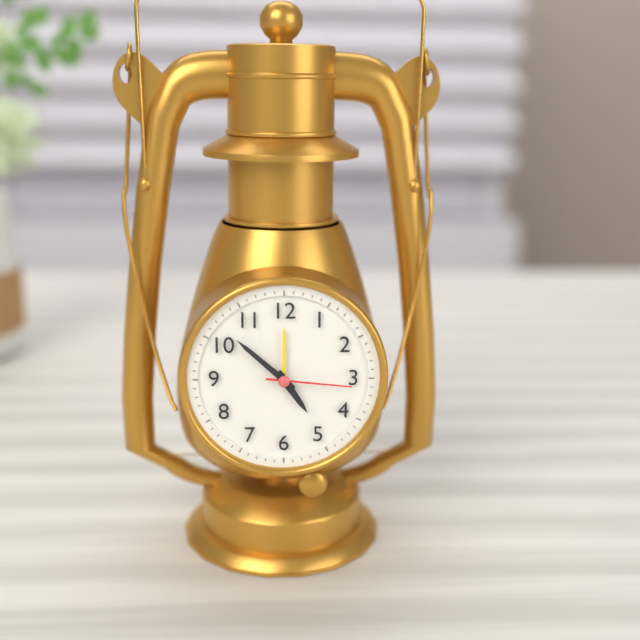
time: **4:52:16**
